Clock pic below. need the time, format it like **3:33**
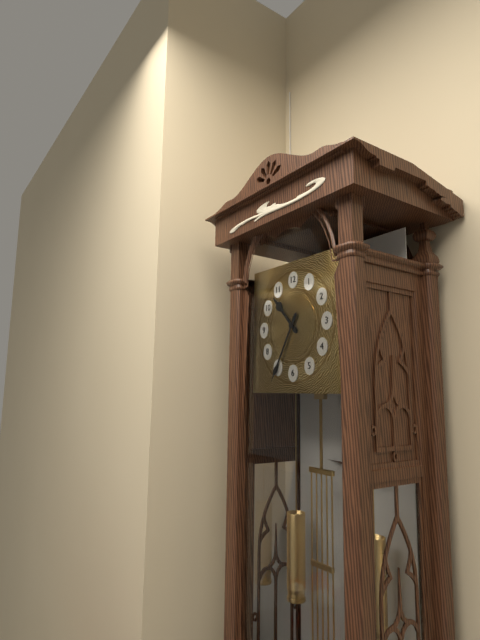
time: **10:35**
